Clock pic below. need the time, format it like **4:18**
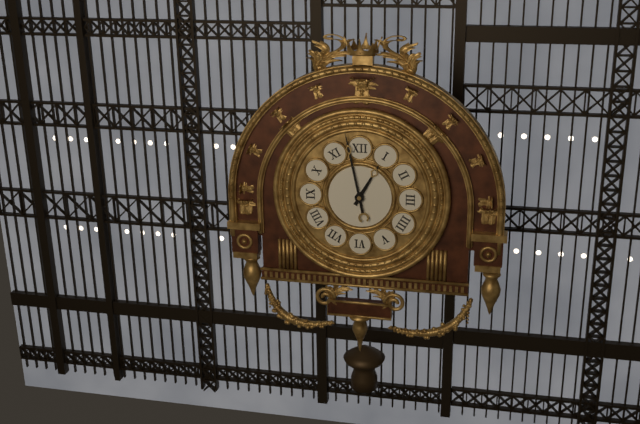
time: **12:58**
